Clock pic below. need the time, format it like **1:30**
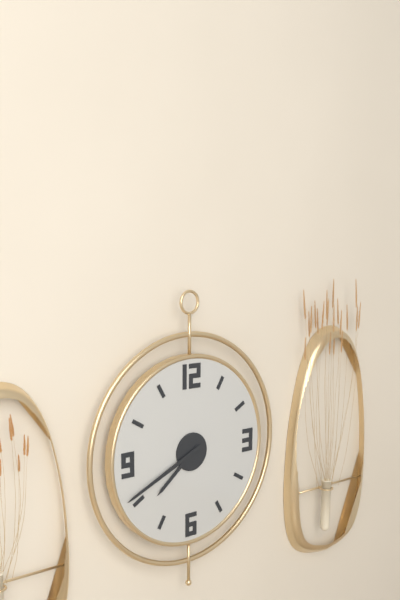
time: **7:41**
